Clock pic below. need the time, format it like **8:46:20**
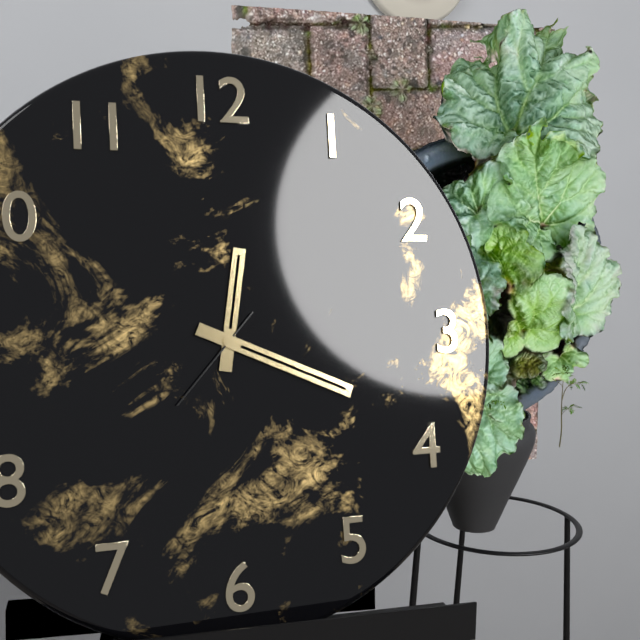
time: **12:19:37**
